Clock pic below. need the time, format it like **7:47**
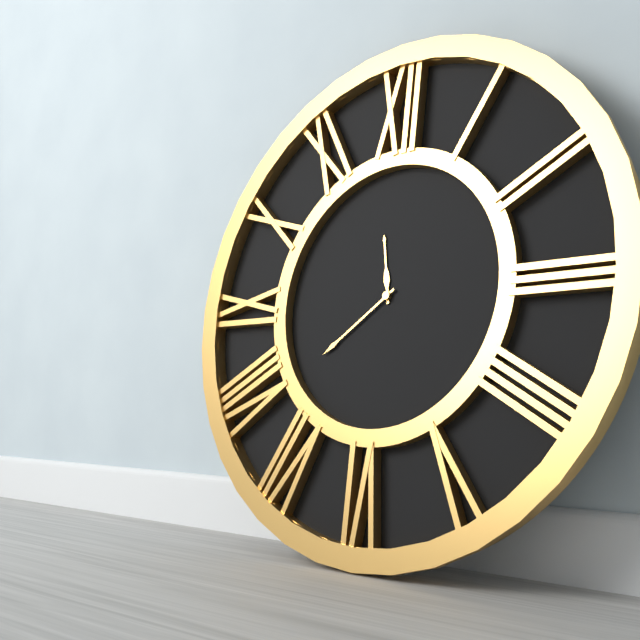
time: **11:39**
